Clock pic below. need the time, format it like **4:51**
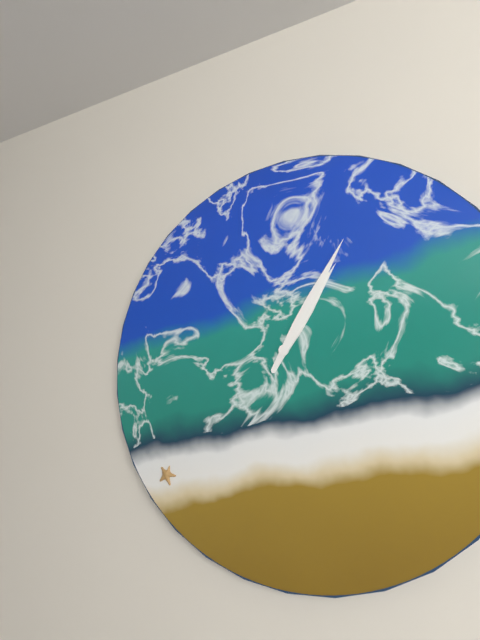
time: **1:05**
